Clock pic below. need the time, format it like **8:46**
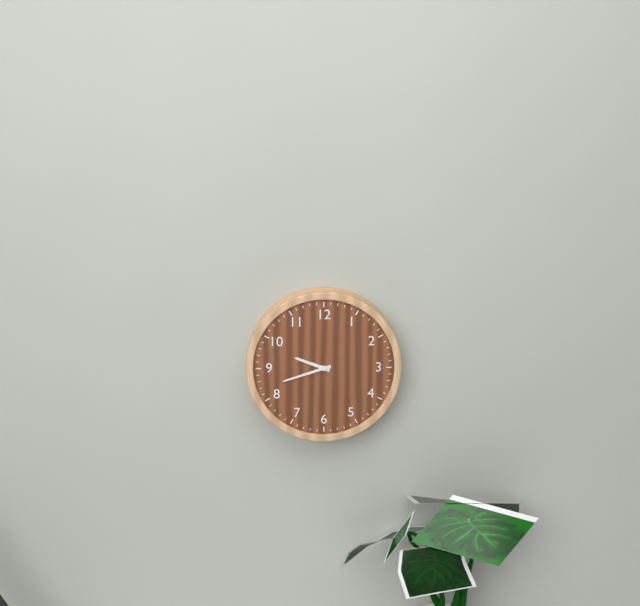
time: **9:42**
